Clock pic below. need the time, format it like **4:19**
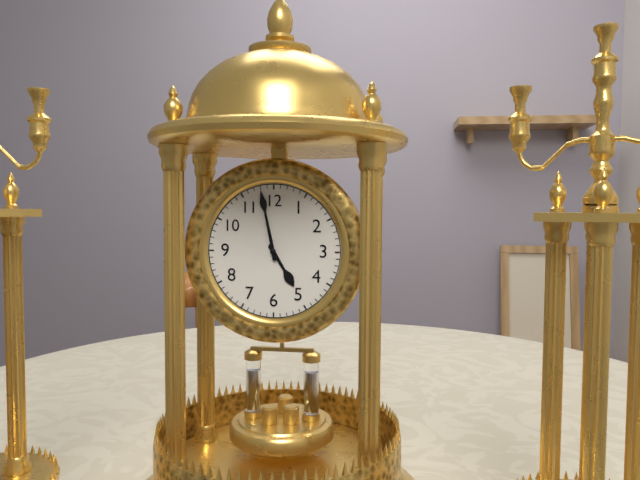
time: **4:58**
